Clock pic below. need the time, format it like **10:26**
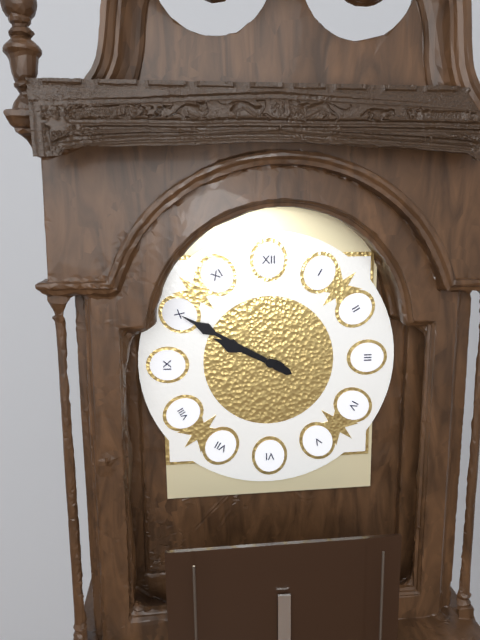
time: **9:50**
